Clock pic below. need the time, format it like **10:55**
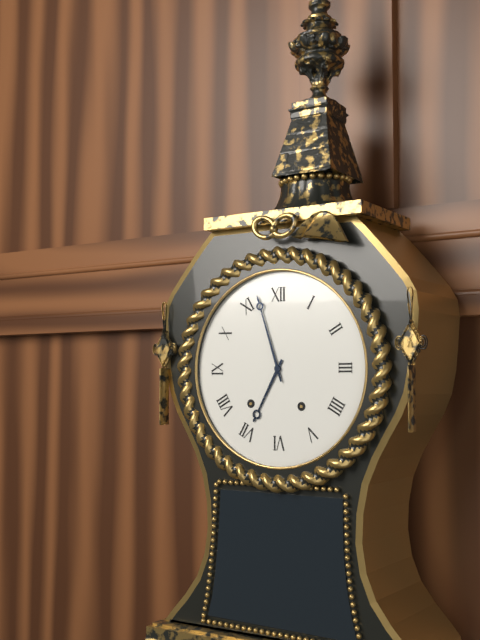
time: **6:57**
